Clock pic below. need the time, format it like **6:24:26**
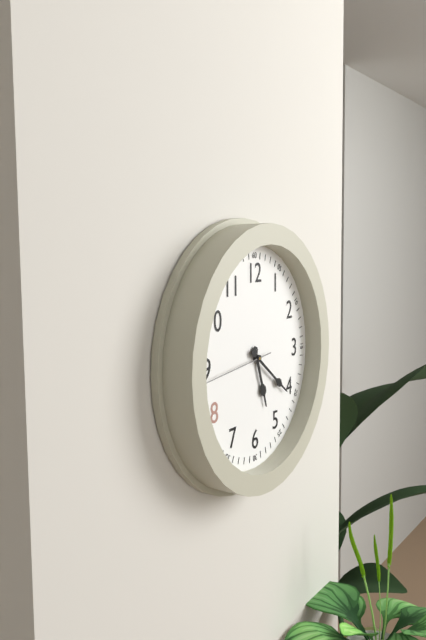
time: **5:21:44**
